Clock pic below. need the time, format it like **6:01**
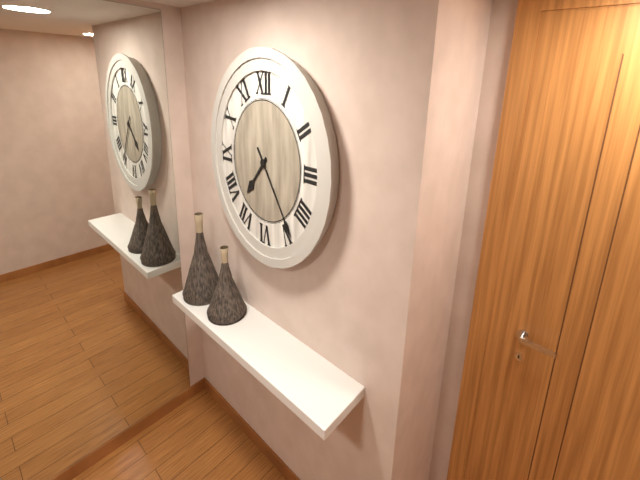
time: **7:24**
